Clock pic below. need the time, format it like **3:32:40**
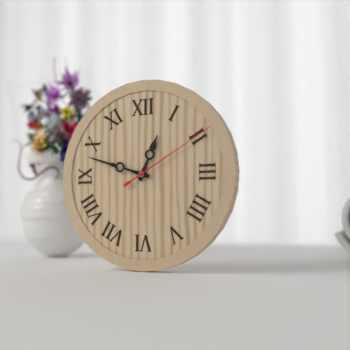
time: **12:48:10**
